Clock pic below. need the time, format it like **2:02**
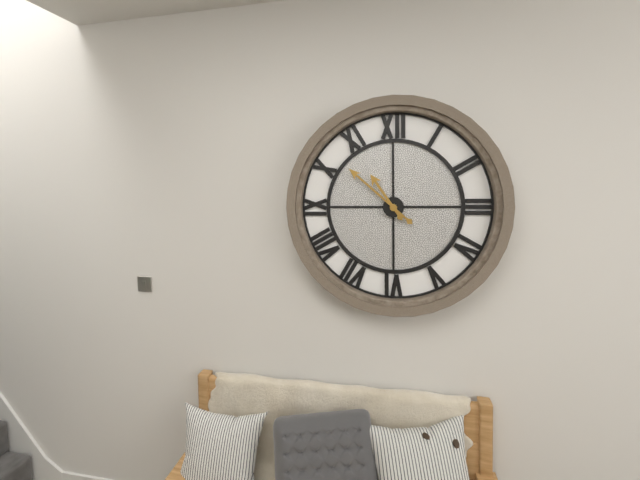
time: **10:52**
